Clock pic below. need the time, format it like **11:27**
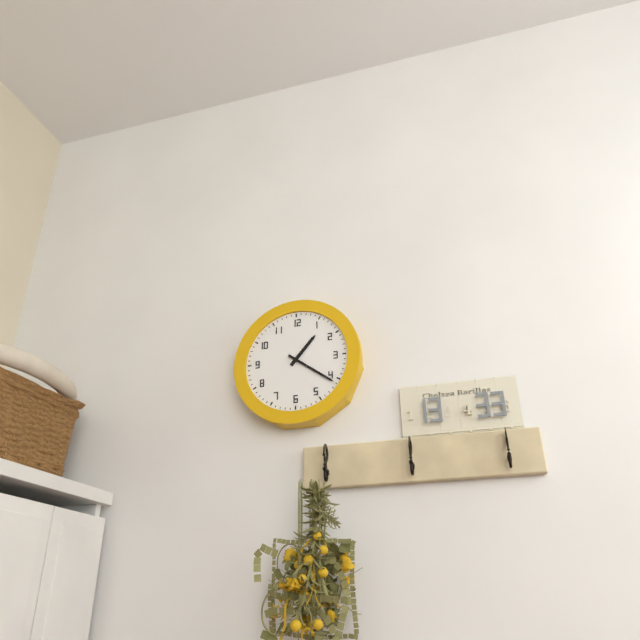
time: **1:21**
